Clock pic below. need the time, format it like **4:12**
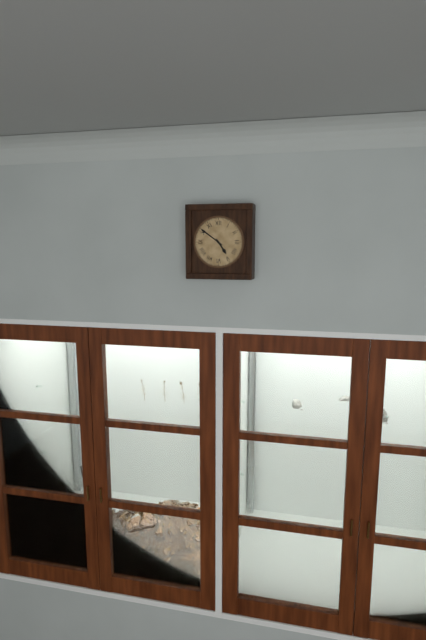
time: **4:51**
